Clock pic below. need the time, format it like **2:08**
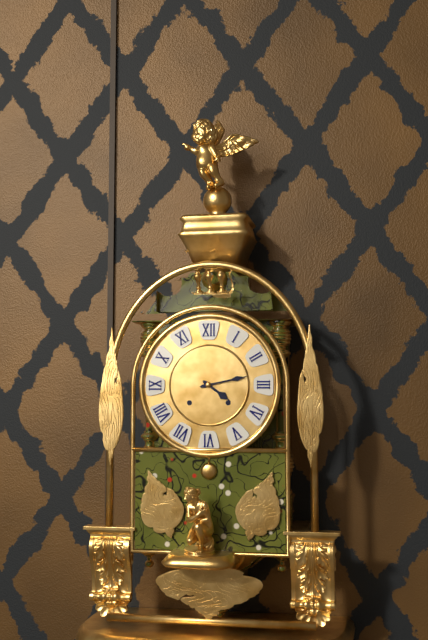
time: **4:13**
